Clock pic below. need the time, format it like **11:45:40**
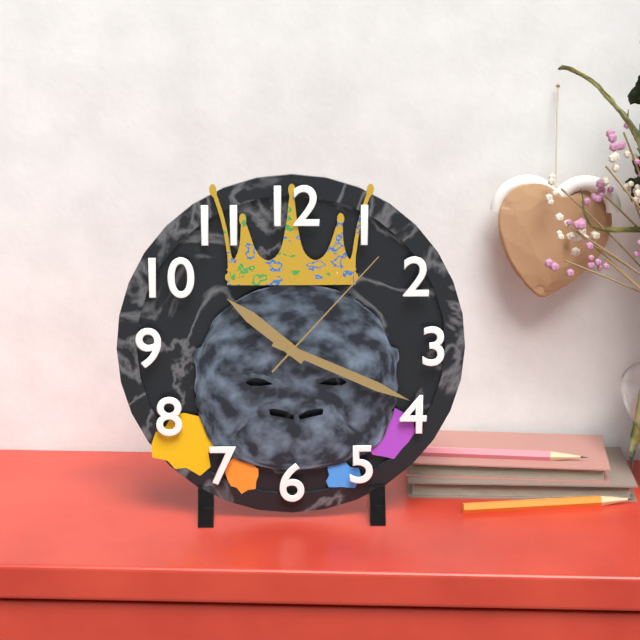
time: **10:19:07**
